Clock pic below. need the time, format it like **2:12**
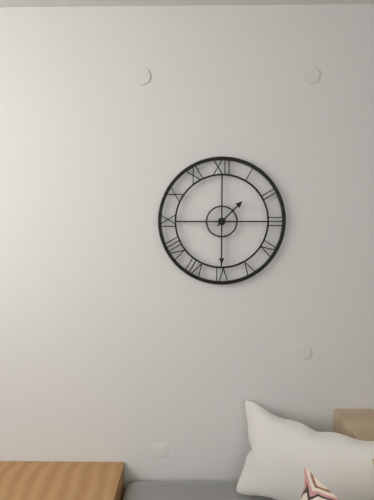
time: **1:30**
